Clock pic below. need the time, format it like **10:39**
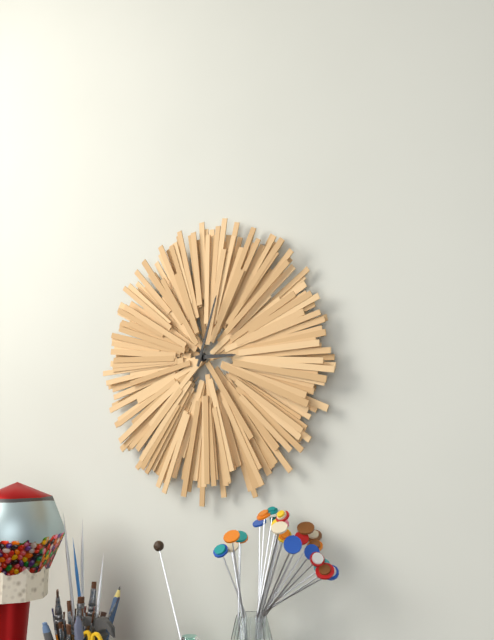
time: **3:03**
